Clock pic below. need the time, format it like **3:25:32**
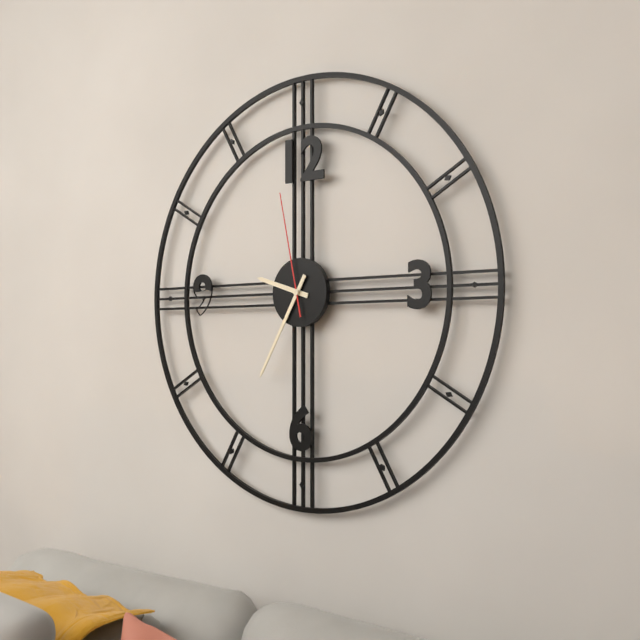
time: **9:35:58**
